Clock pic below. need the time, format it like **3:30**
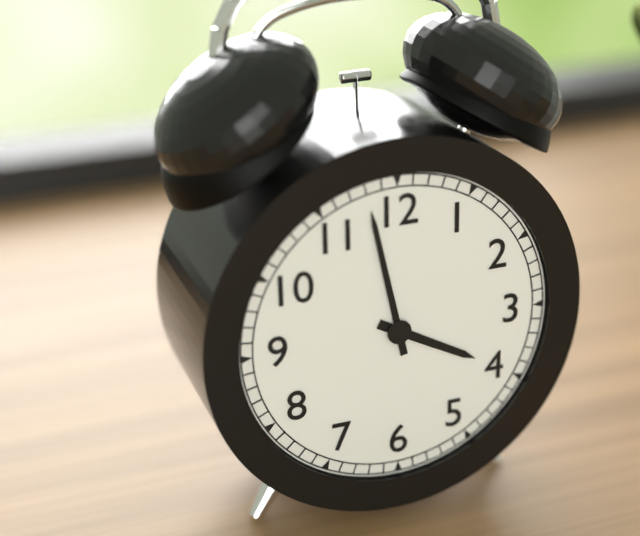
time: **3:58**
